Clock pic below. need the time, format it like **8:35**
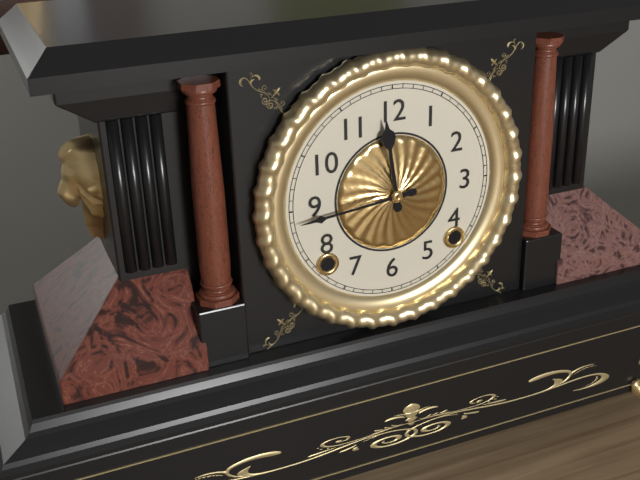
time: **11:44**
